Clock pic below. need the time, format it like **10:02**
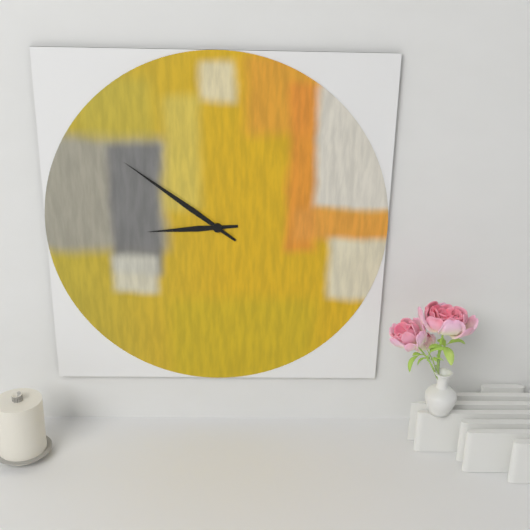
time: **8:51**
